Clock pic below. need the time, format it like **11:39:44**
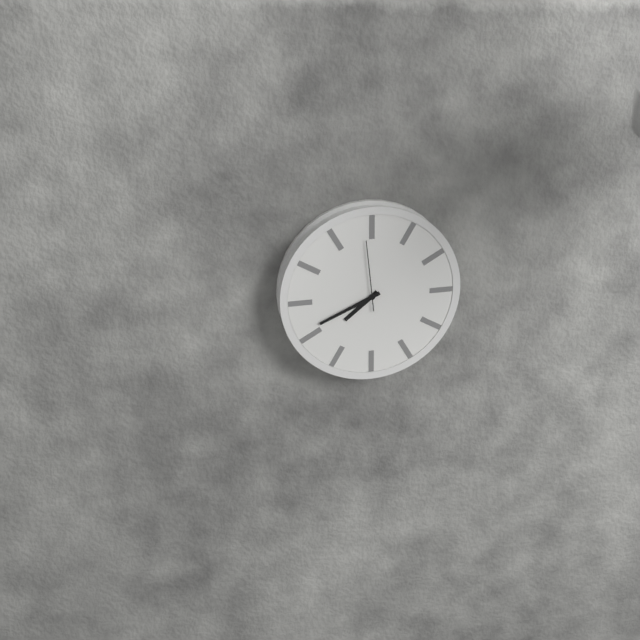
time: **7:41:59**
